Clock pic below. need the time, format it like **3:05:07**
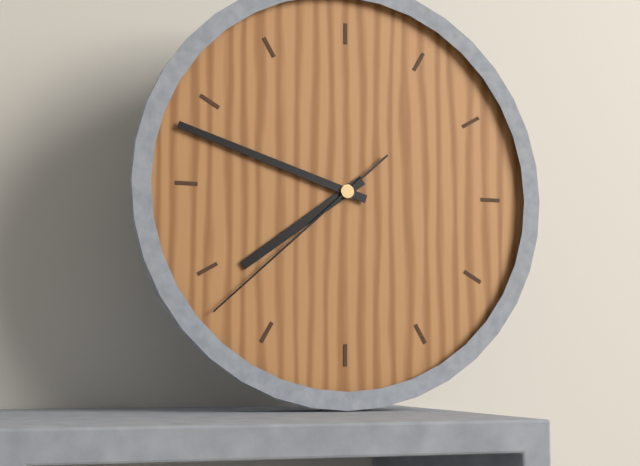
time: **7:48:38**
